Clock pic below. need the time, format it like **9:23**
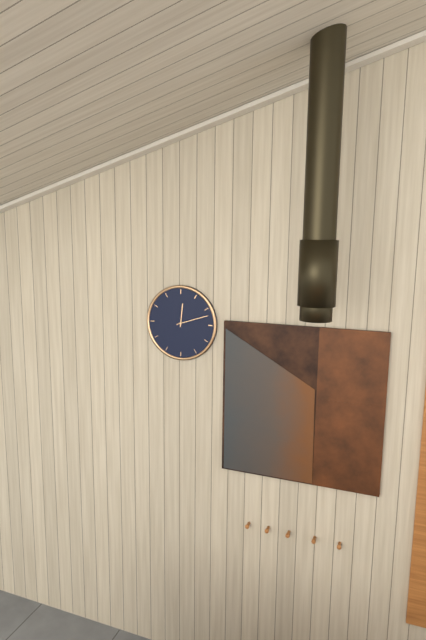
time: **12:12**
